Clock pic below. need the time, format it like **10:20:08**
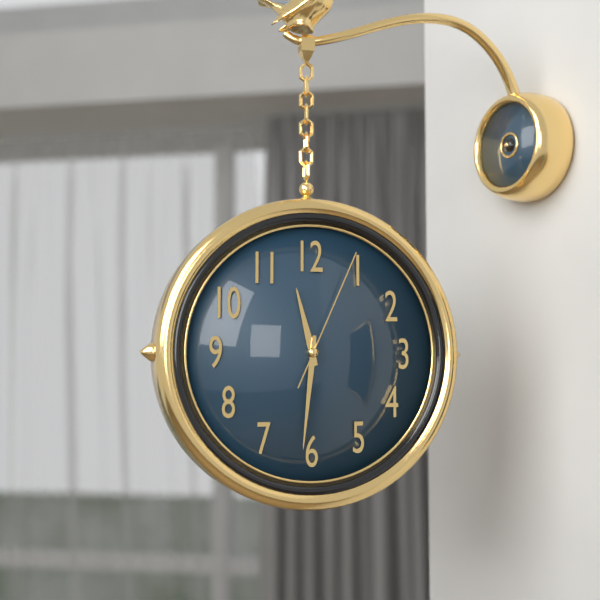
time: **11:31:04**
